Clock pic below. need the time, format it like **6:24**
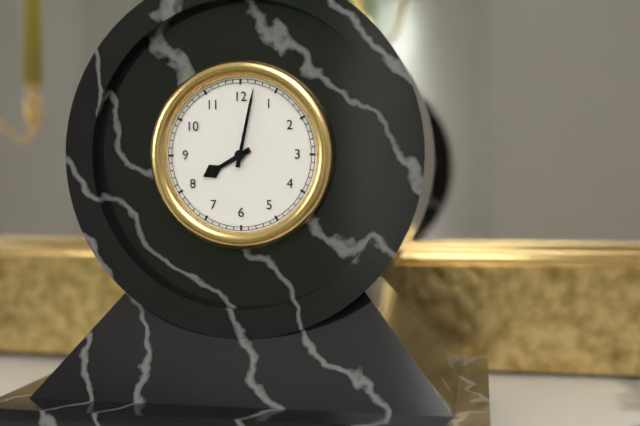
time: **8:02**
